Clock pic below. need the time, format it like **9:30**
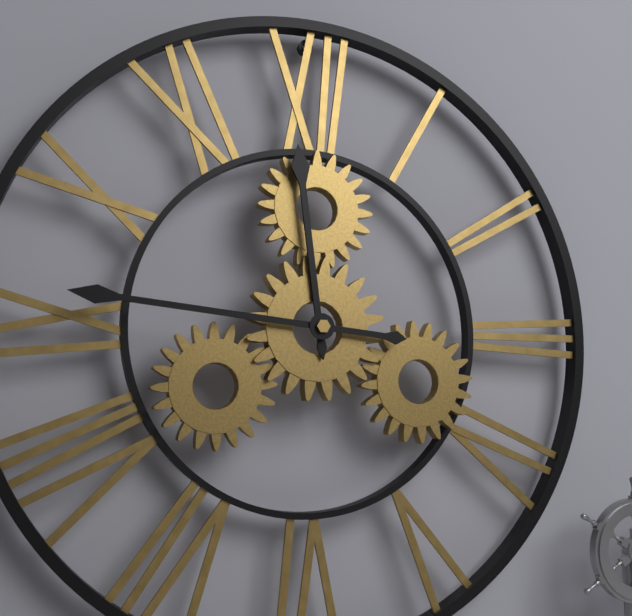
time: **11:46**
